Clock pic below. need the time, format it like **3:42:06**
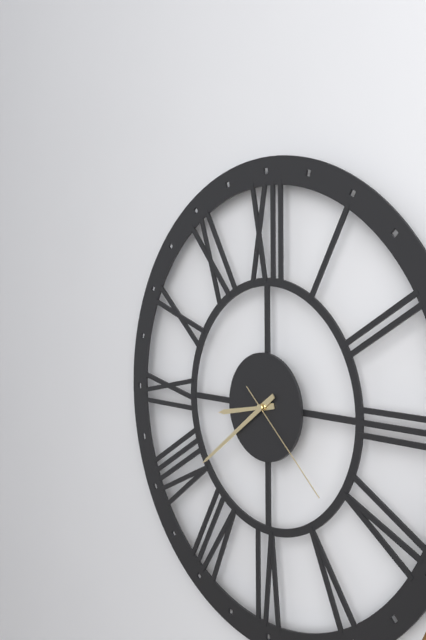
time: **8:39:22**
